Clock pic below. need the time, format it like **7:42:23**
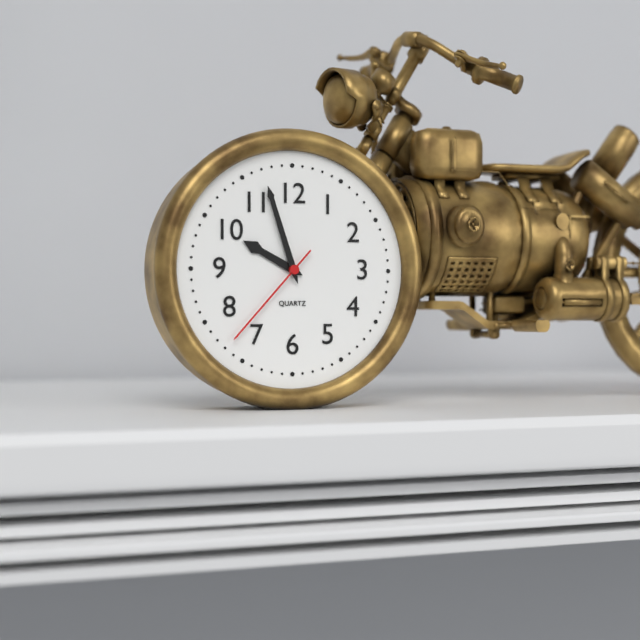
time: **9:57:37**
